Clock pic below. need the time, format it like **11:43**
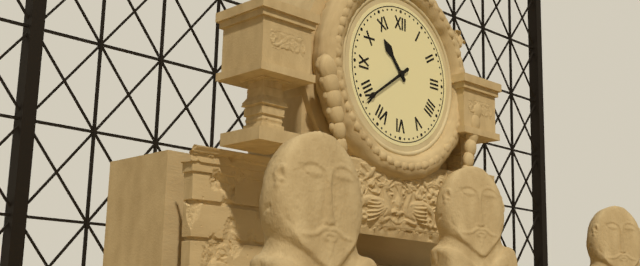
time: **10:39**
